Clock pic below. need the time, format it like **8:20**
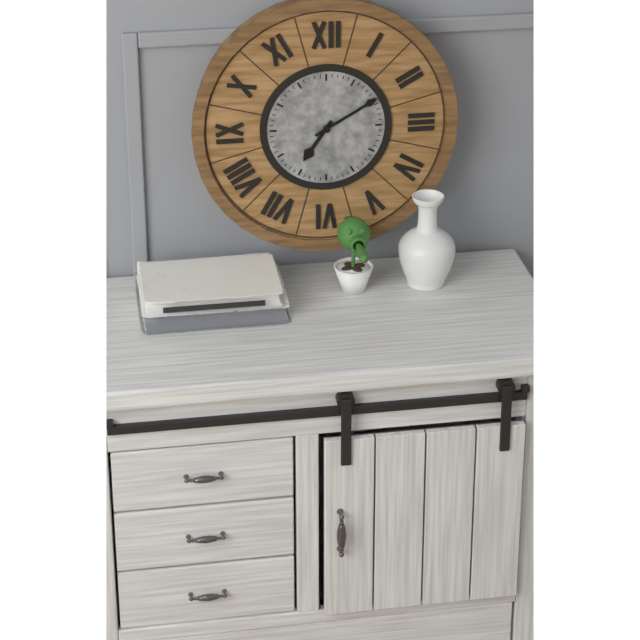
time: **7:10**
